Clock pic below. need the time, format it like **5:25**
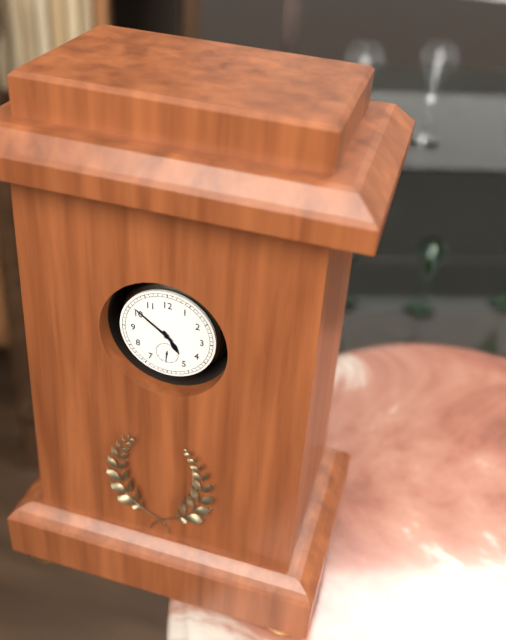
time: **4:51**
